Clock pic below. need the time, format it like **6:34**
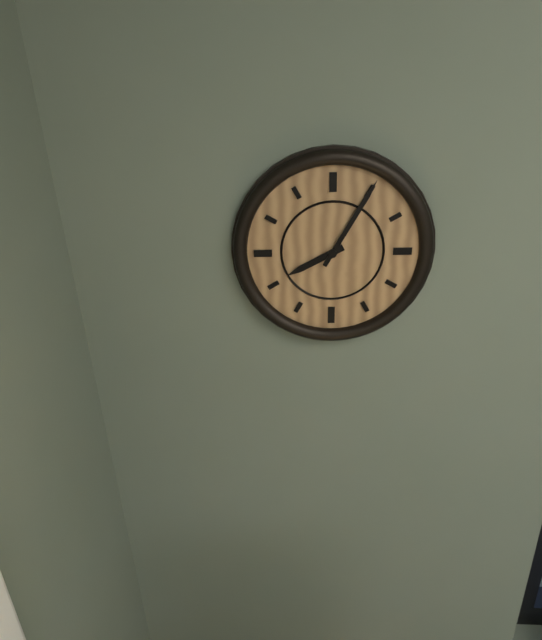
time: **8:05**
